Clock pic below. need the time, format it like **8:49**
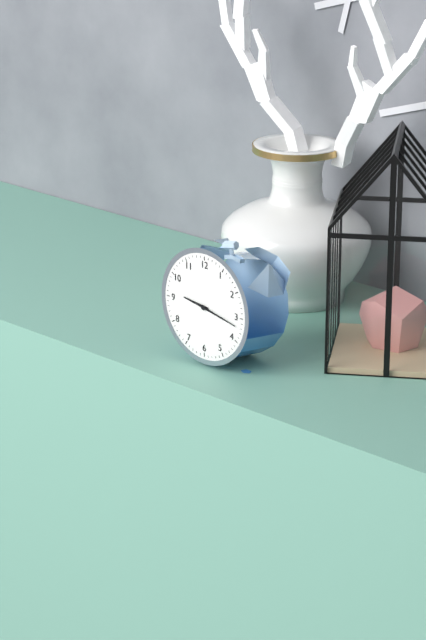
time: **9:17**
